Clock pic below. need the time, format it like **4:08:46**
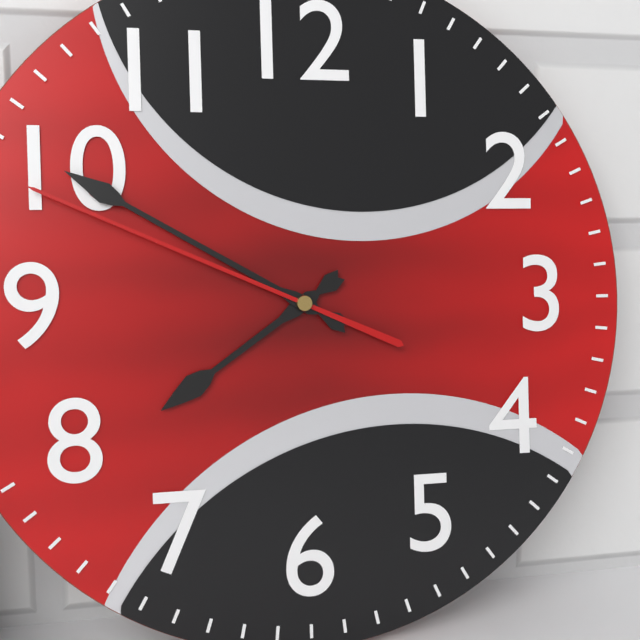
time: **7:50:49**
